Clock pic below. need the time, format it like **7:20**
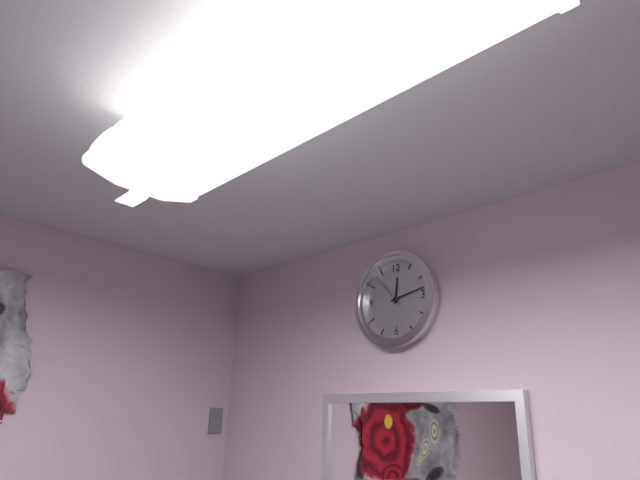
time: **12:13**
